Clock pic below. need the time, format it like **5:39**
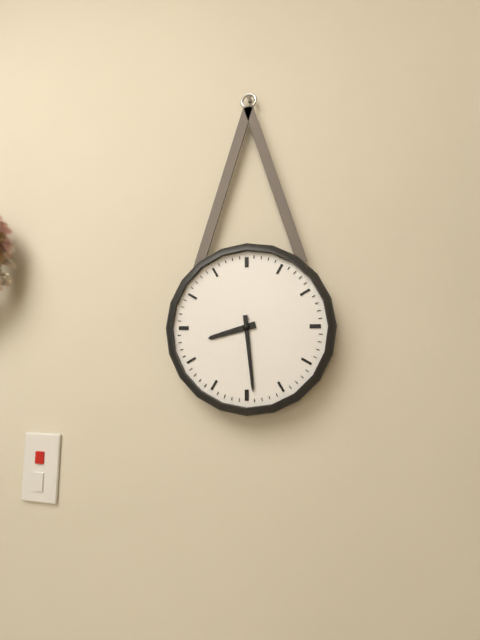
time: **8:29**
